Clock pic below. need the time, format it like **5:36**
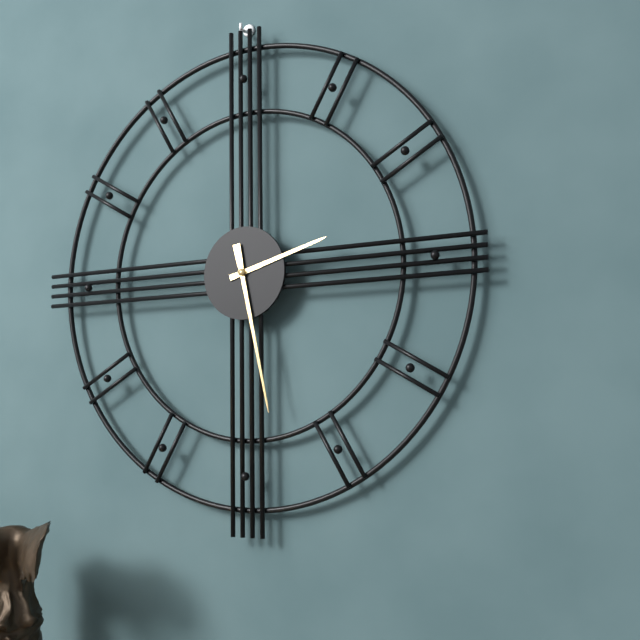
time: **2:28**
